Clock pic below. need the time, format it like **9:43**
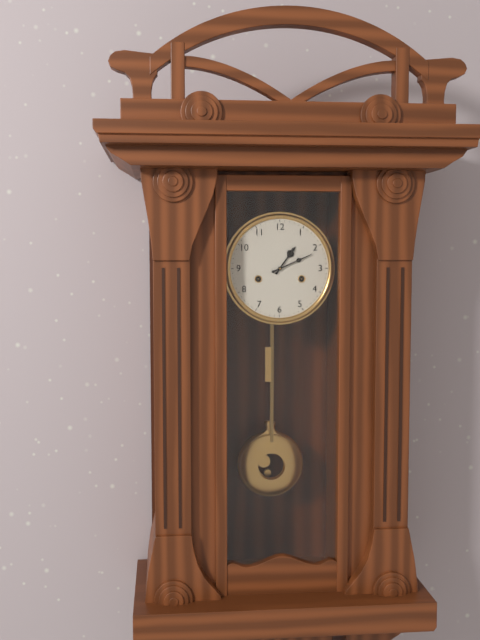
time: **1:11**
